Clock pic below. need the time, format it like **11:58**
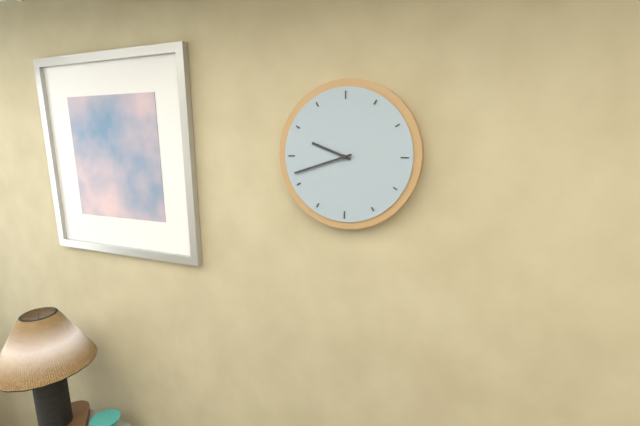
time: **9:42**
